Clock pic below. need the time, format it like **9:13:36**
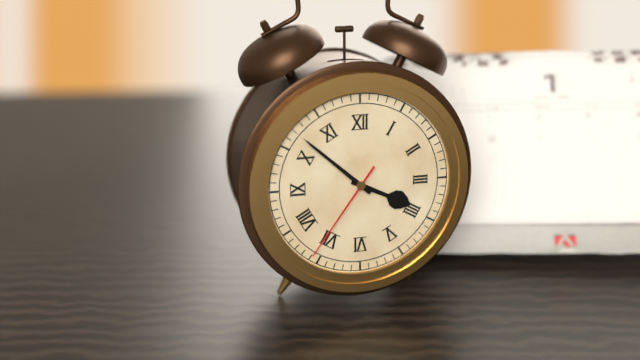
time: **3:52:36**
